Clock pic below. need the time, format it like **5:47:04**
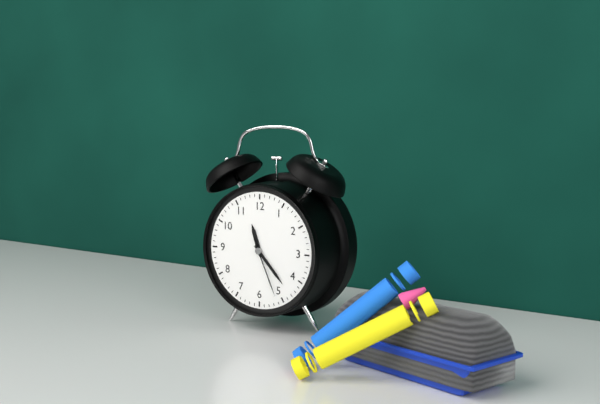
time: **11:23:26**
